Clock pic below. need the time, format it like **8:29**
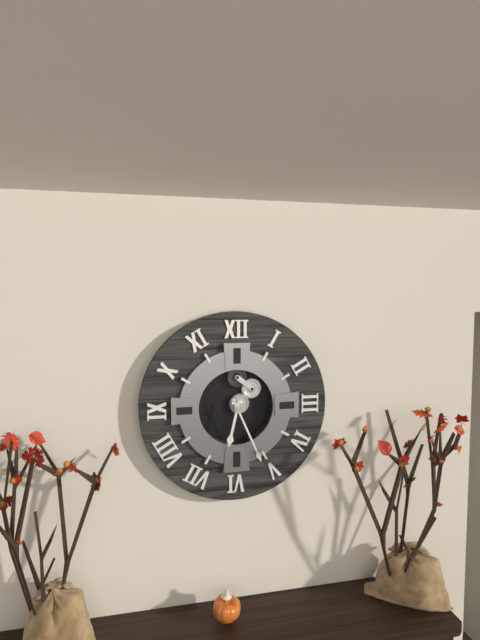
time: **6:26**
